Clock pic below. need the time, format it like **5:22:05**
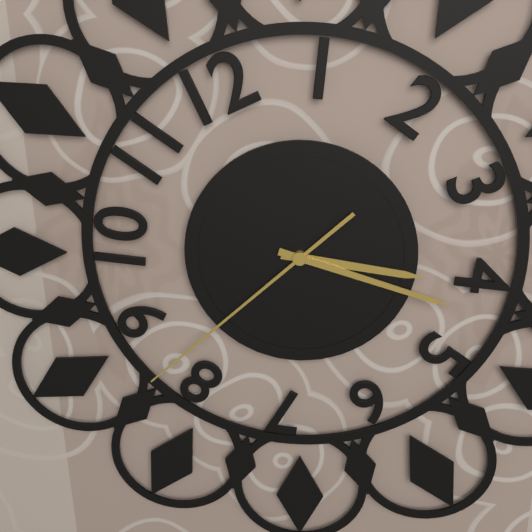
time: **3:18:38**
